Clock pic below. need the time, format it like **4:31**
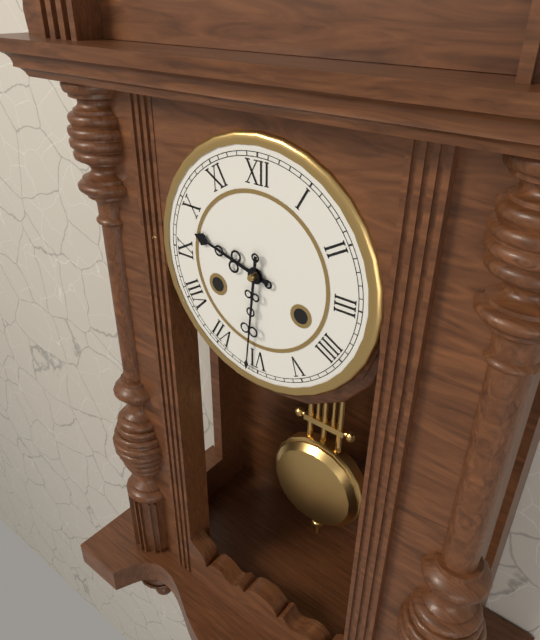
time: **9:31**
